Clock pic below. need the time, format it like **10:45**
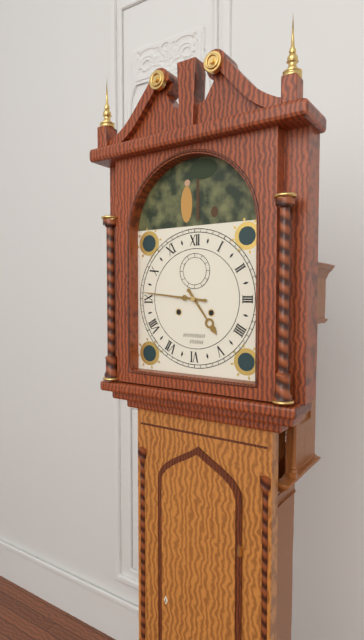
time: **4:46**
